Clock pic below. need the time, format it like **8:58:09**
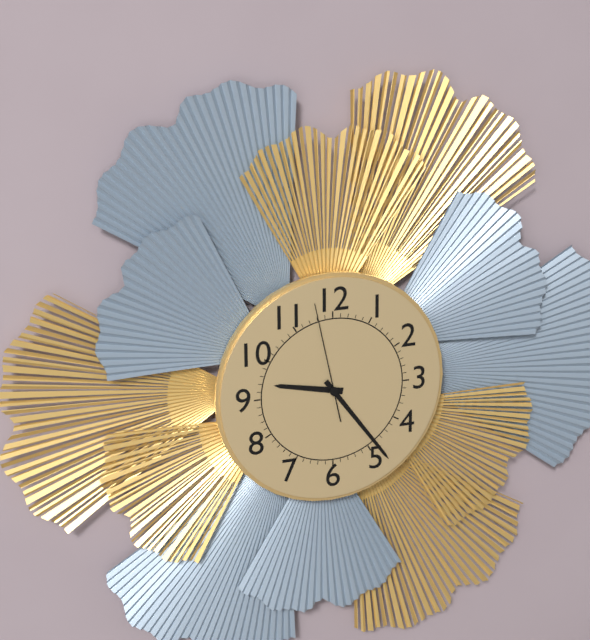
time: **9:24:58**
